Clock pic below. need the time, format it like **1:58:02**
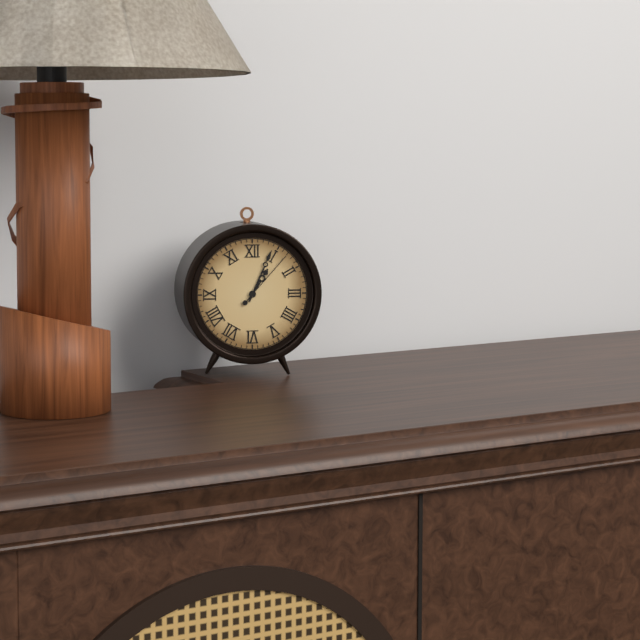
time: **1:04:07**
